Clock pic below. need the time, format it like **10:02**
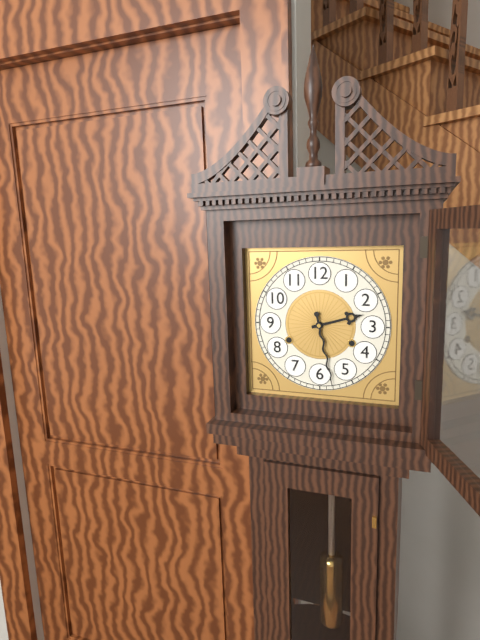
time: **2:28**
